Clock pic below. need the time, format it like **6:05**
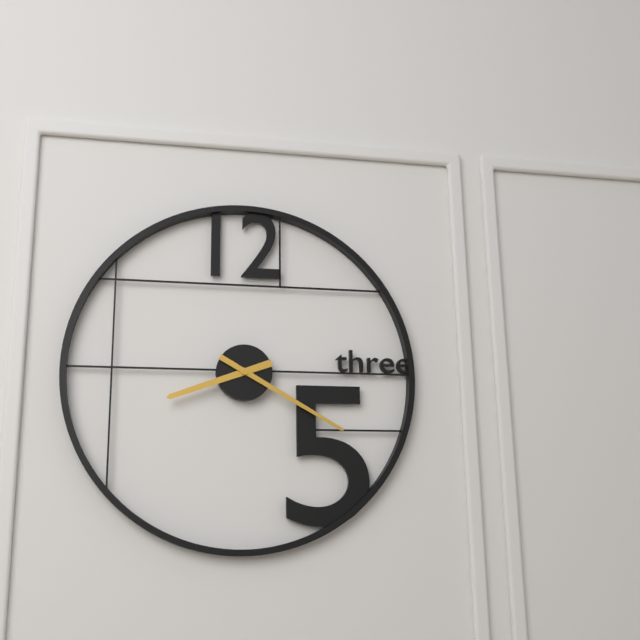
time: **8:20**
